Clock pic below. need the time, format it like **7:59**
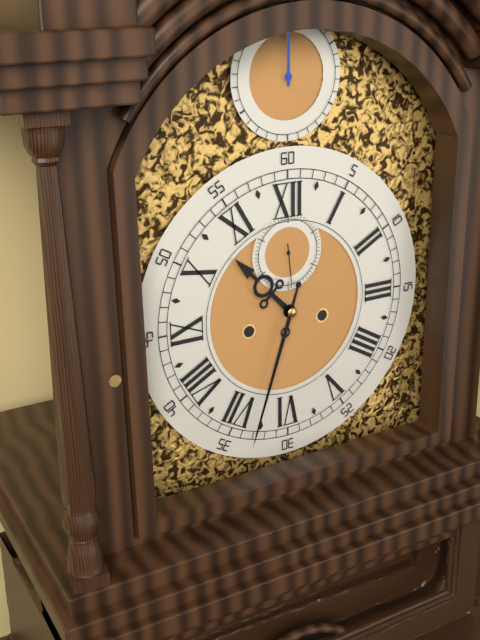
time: **10:33**
